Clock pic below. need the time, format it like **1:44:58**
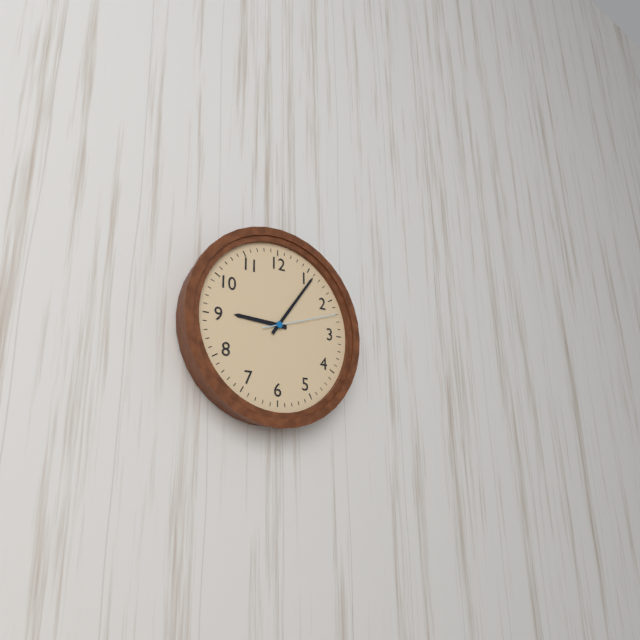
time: **9:06:12**
